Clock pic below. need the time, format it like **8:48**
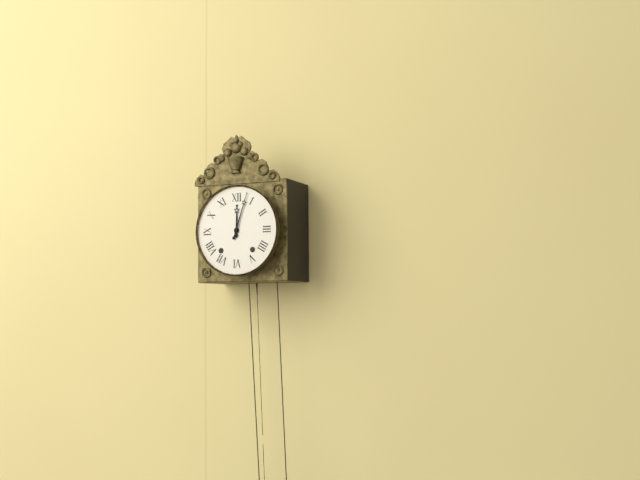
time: **12:03**
